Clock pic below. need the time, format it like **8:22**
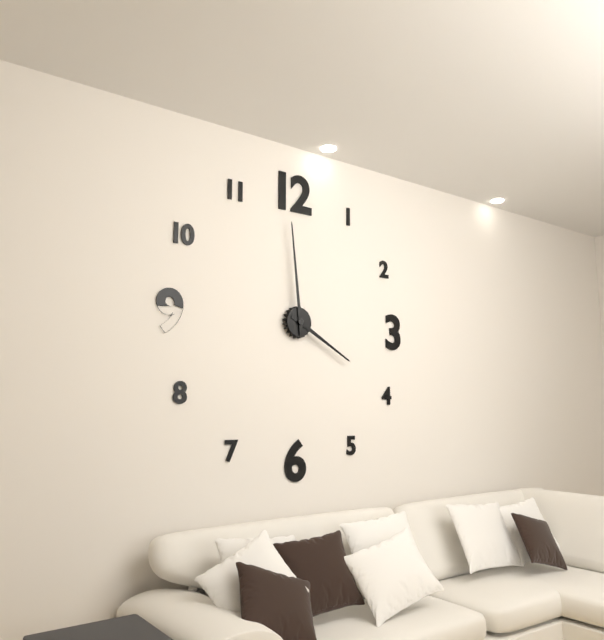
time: **3:59**
